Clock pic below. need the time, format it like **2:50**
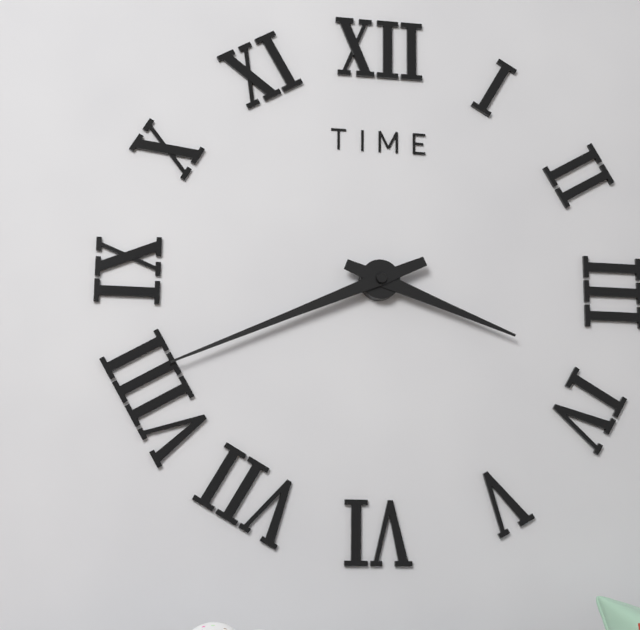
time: **3:41**
